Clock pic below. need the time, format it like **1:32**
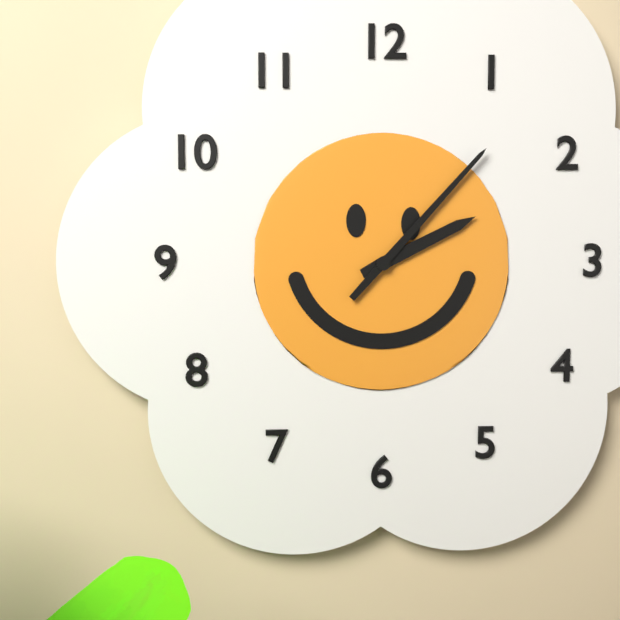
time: **2:07**
